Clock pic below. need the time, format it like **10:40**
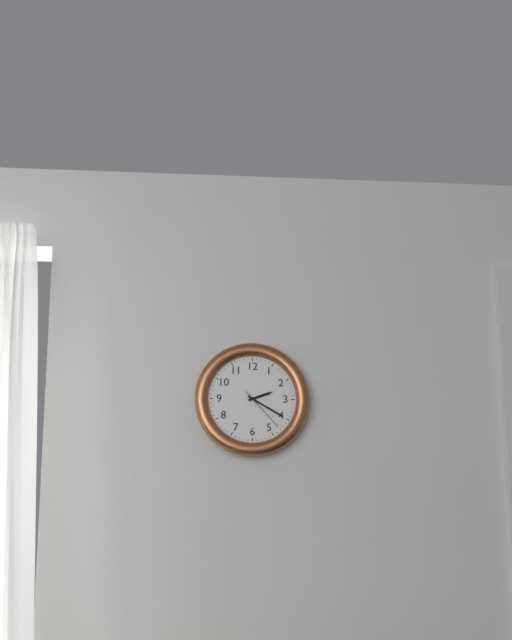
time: **2:20**
